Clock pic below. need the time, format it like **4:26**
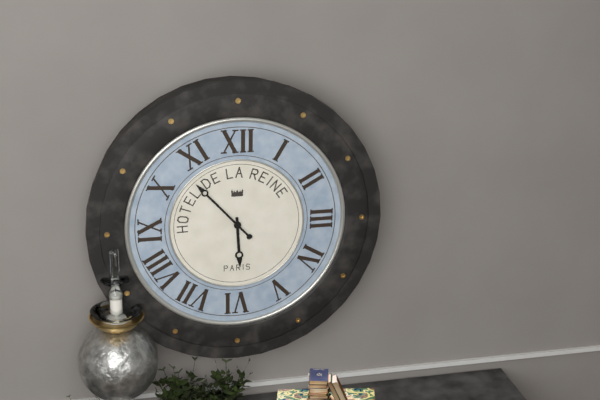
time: **5:53**
